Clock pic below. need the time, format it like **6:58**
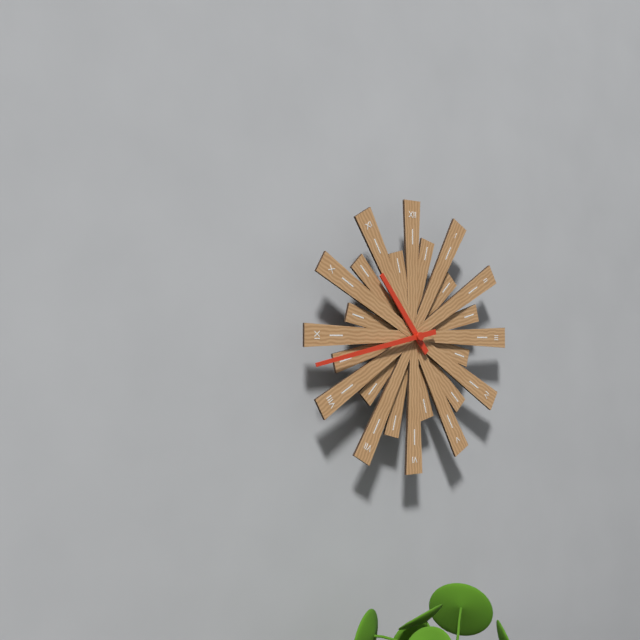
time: **10:43**
